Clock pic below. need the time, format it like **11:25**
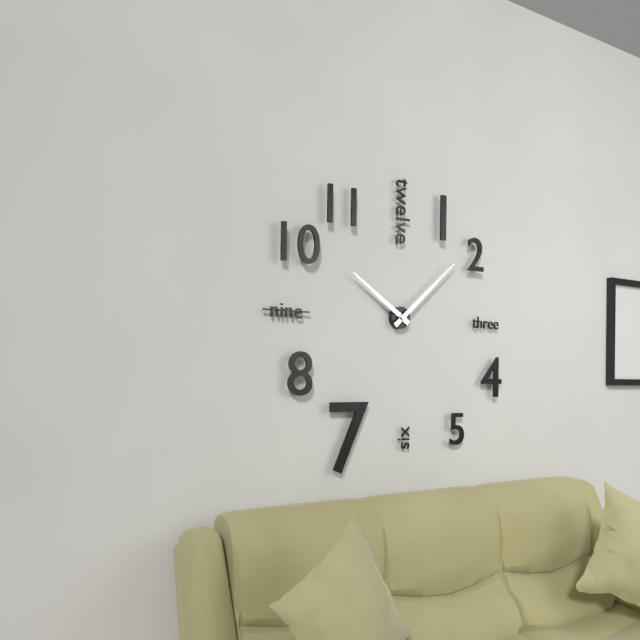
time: **10:08**
